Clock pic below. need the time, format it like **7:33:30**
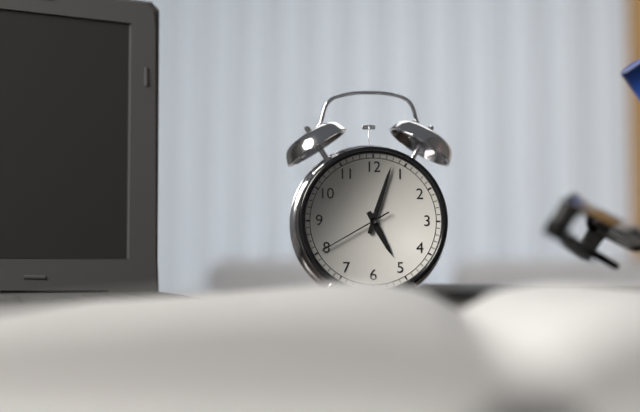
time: **5:03:40**
